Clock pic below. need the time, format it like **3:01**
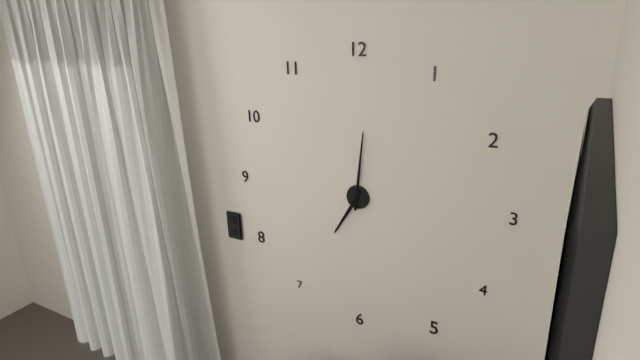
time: **7:01**
